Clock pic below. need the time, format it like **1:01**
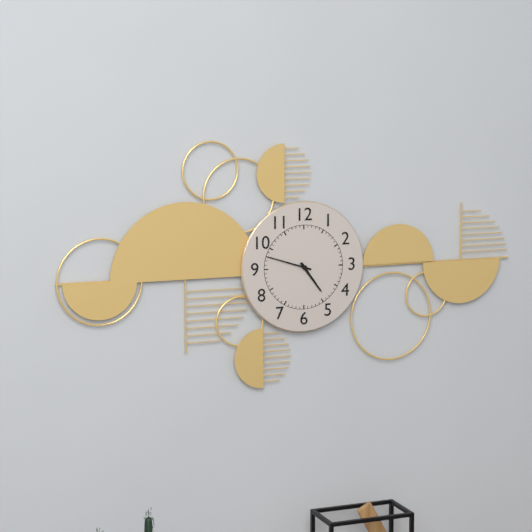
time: **4:48**
